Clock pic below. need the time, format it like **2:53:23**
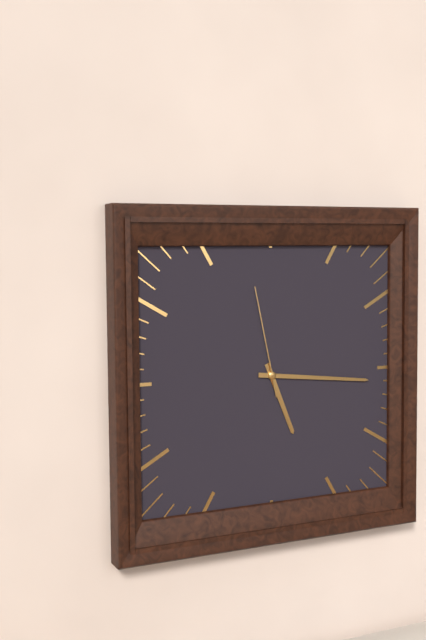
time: **5:16:58**
